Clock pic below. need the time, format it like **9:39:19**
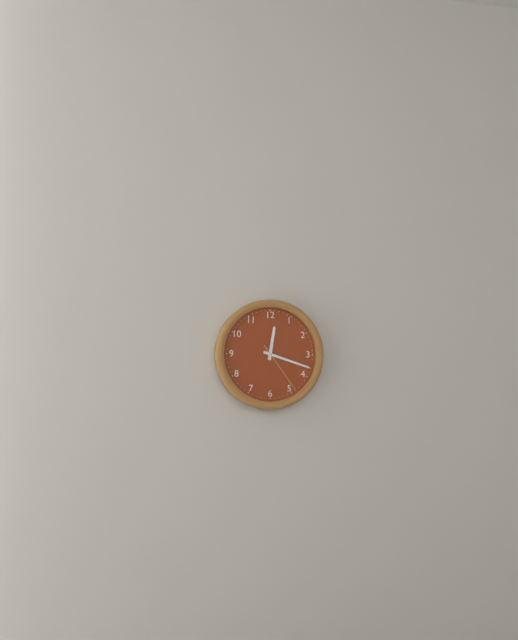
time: **12:18:24**
